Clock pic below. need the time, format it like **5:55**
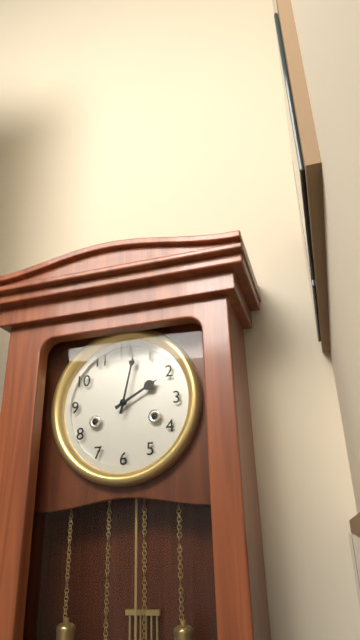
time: **2:02**
